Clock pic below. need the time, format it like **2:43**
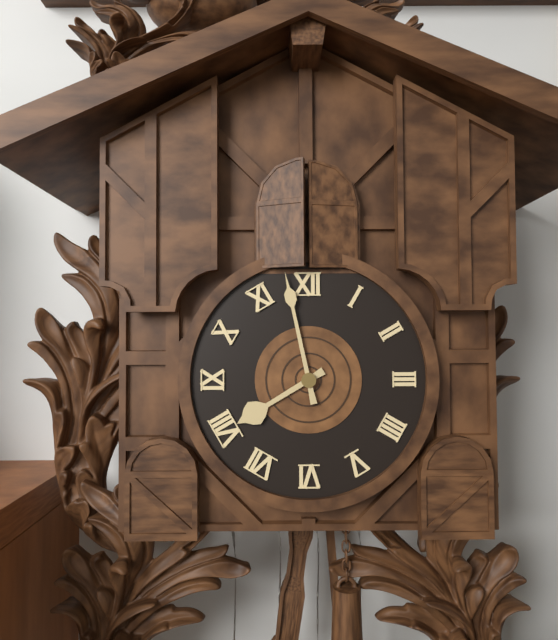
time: **7:58**
